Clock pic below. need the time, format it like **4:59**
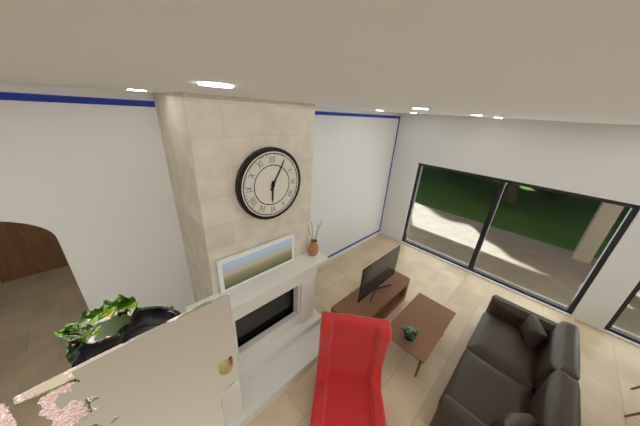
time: **6:05**
